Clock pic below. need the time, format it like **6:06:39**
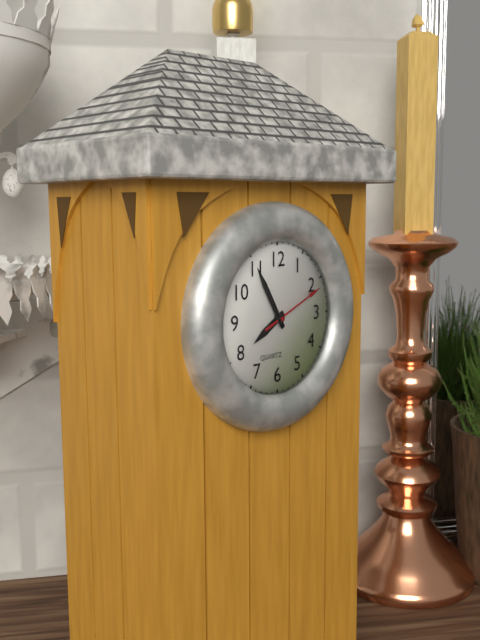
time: **7:55:11**
